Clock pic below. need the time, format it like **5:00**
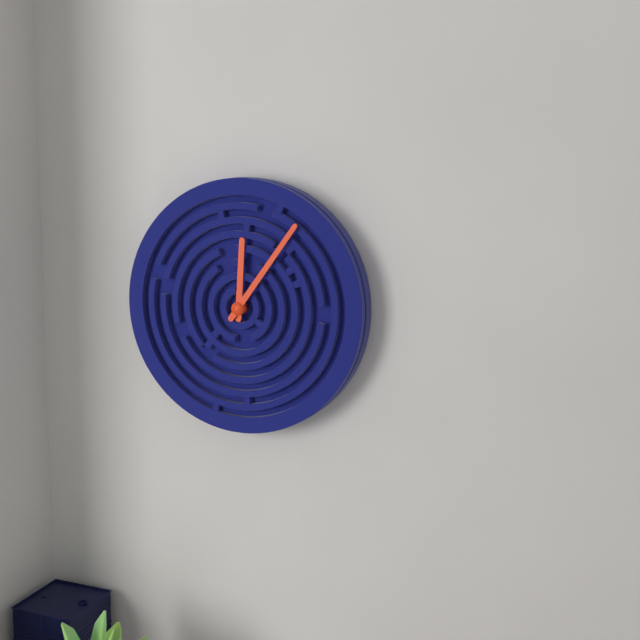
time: **12:06**
